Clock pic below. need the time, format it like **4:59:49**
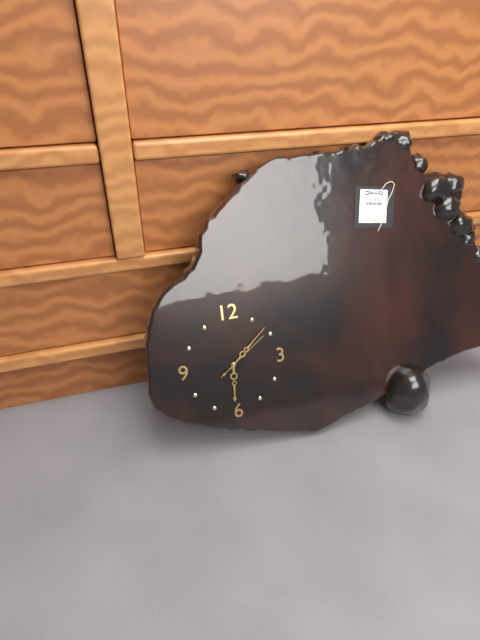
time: **6:08:09**
